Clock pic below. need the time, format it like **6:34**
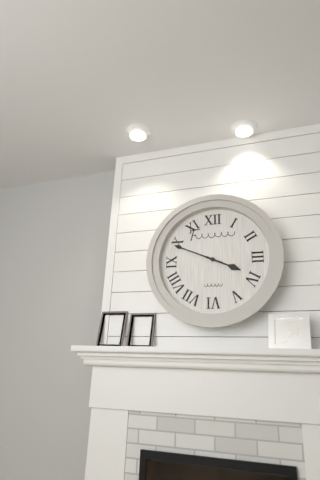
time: **3:49**
